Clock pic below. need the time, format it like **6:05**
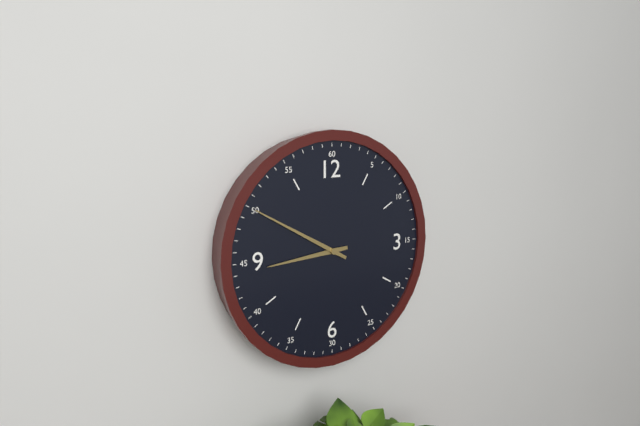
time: **8:50**
